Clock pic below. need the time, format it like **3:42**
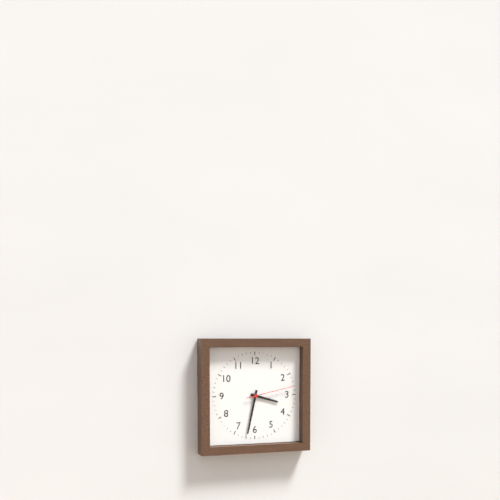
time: **3:32**
